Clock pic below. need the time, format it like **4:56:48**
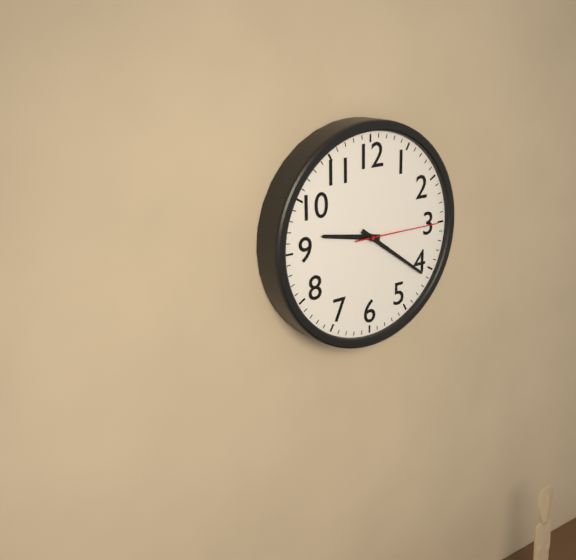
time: **9:21:15**
